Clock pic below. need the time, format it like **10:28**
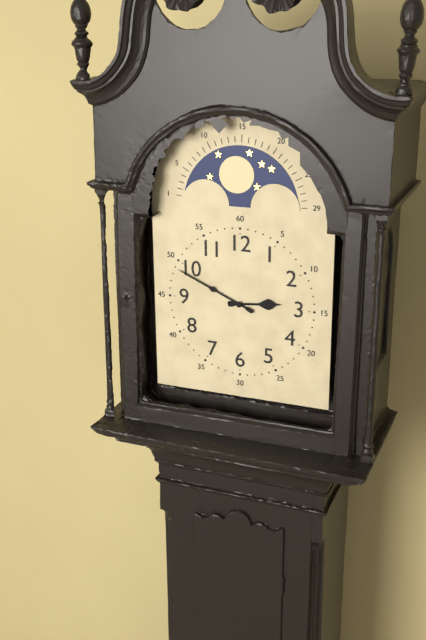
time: **2:49**
